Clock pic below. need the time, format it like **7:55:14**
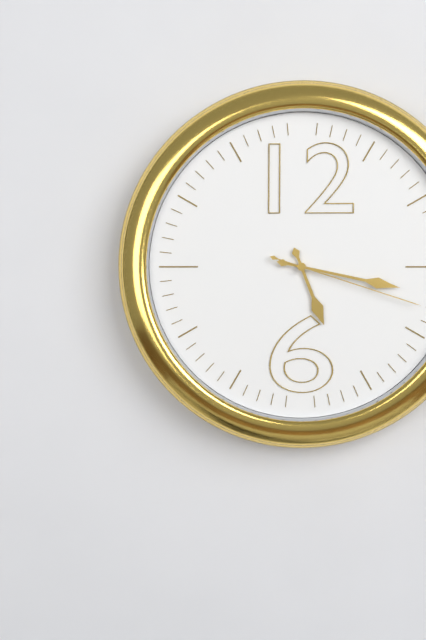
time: **5:17:18**
